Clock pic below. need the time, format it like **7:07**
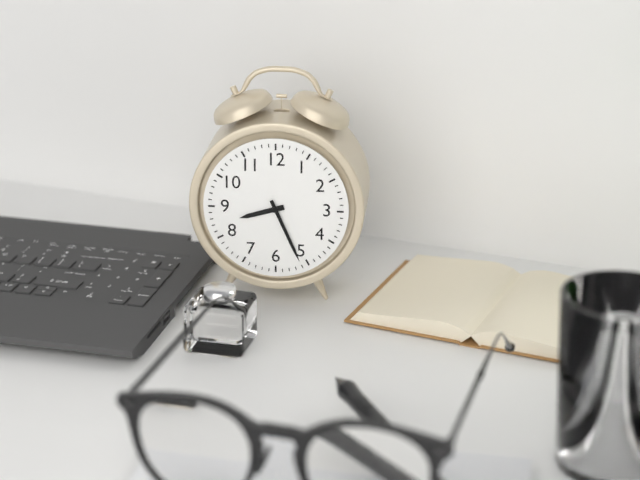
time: **8:26**
